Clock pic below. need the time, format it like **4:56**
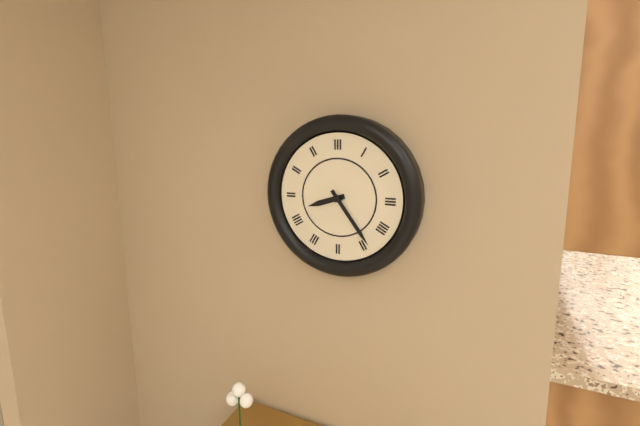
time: **8:24**
